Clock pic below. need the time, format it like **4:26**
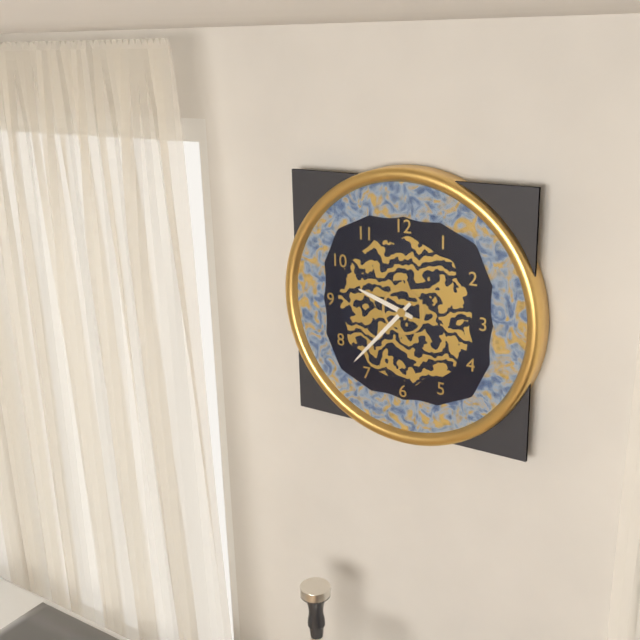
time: **9:37**
